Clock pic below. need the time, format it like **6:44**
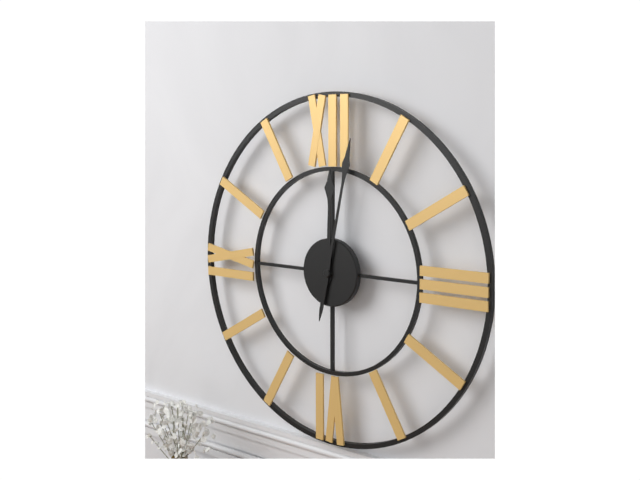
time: **12:02**
